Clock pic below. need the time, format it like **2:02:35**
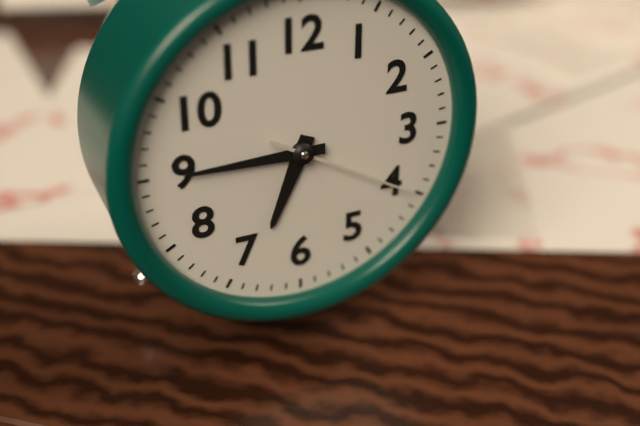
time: **6:45:20**
